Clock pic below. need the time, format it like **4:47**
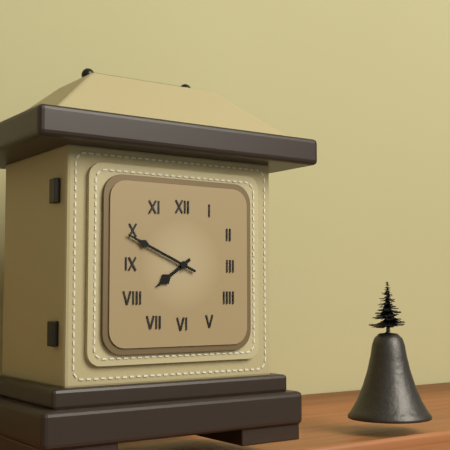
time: **7:49**
